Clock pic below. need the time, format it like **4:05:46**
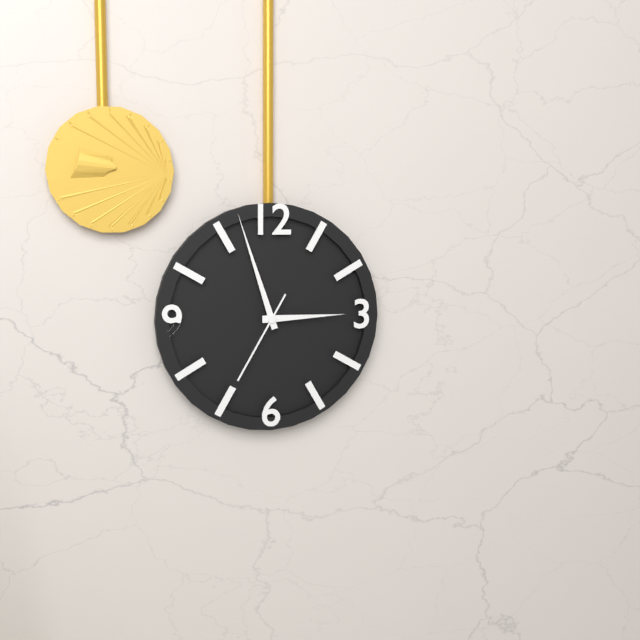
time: **2:57:35**
